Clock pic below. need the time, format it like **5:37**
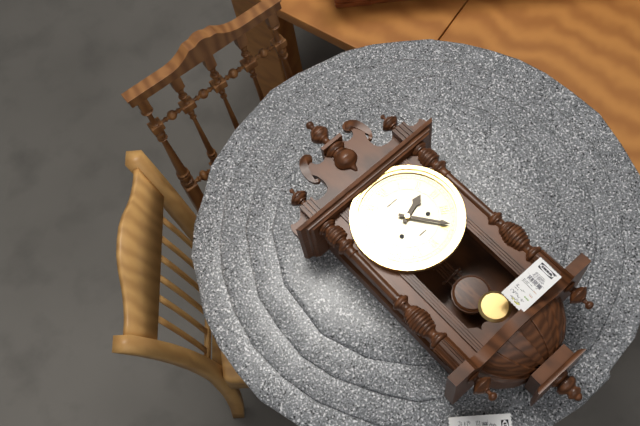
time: **2:24**
